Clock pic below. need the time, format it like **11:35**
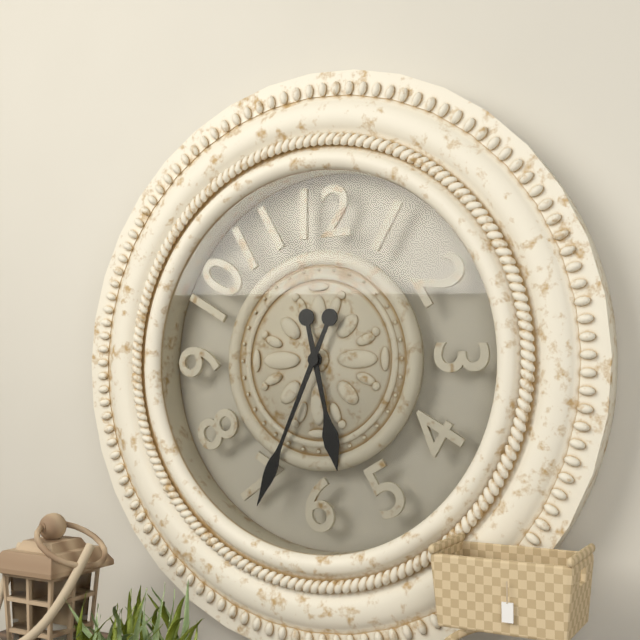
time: **5:34**
